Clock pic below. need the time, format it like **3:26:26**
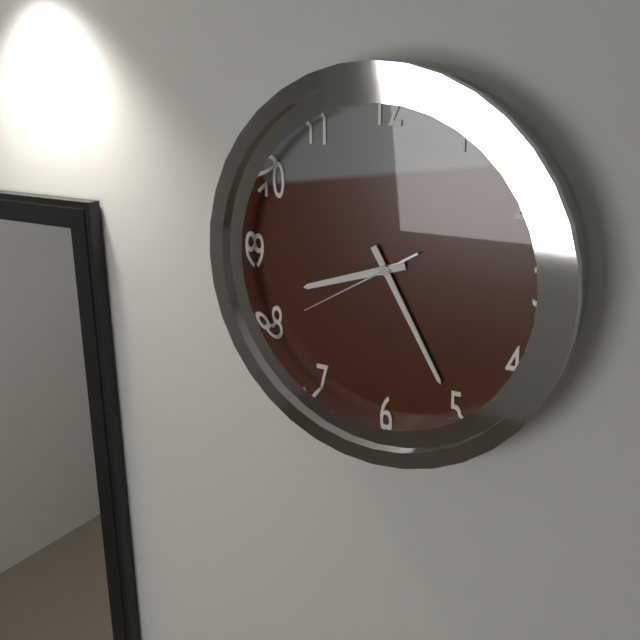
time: **8:25:40**
